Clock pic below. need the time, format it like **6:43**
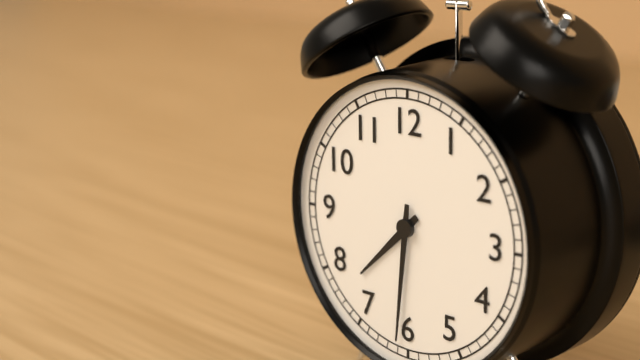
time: **7:31**
